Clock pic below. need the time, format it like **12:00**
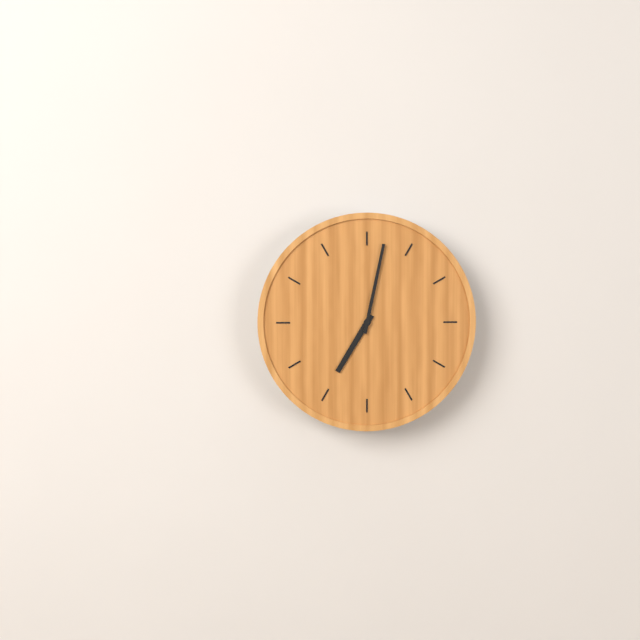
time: **7:02**
